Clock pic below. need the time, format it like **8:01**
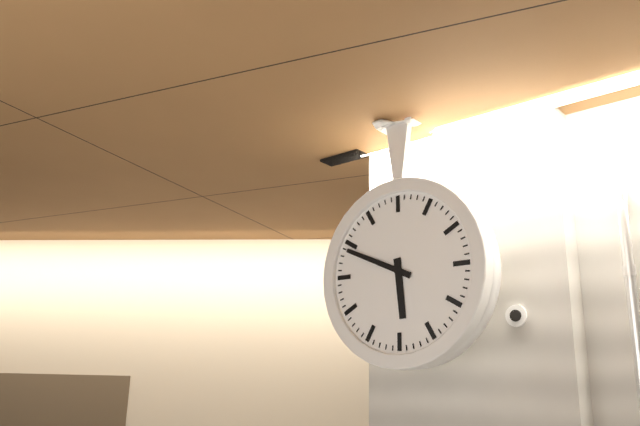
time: **5:49**
